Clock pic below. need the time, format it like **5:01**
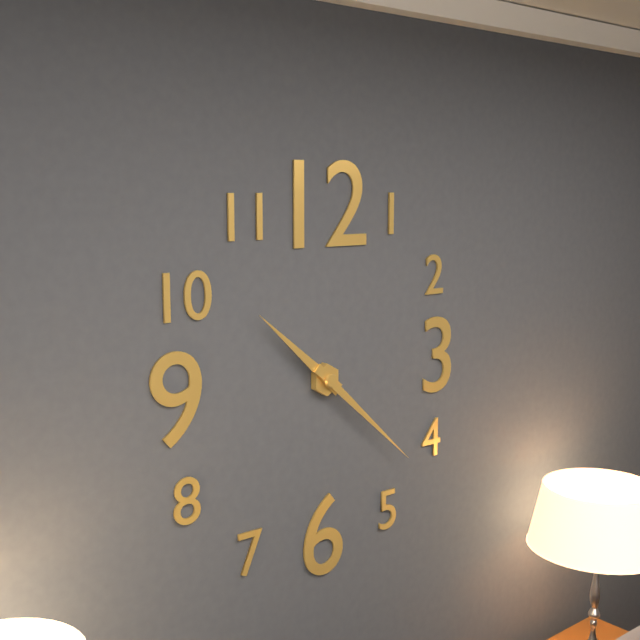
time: **10:22**
